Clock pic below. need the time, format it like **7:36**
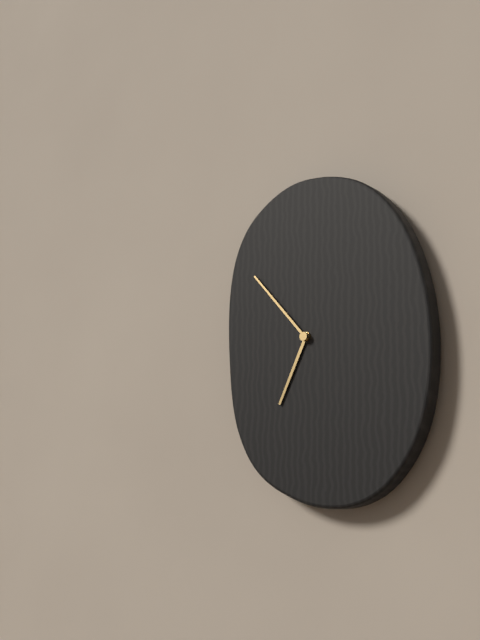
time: **6:53**
